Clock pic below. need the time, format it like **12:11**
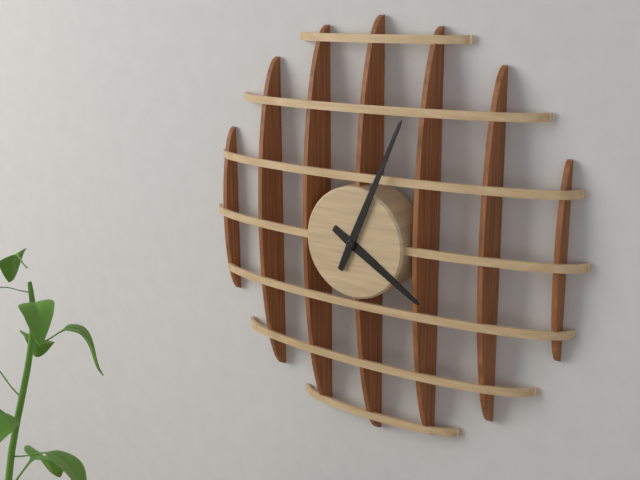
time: **4:04**
